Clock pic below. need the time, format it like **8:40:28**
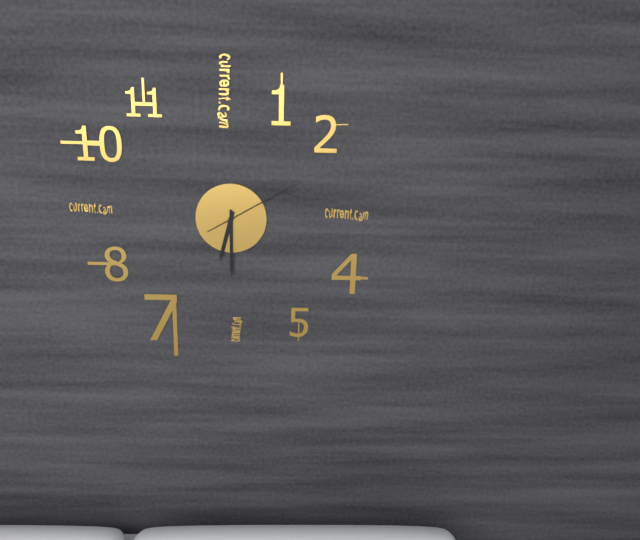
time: **6:30:10**
